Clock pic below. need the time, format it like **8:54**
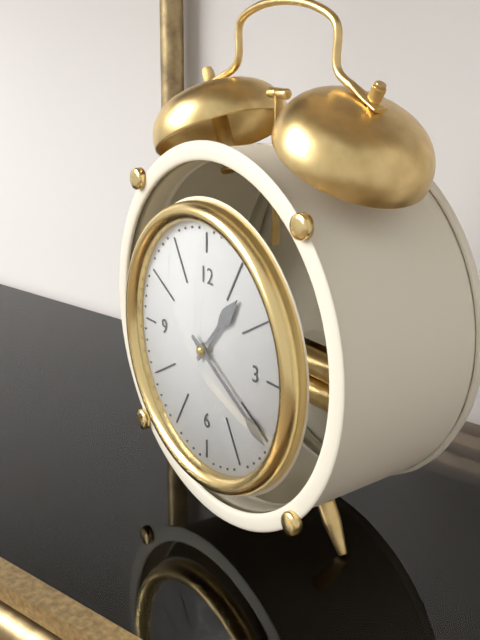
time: **1:20**
